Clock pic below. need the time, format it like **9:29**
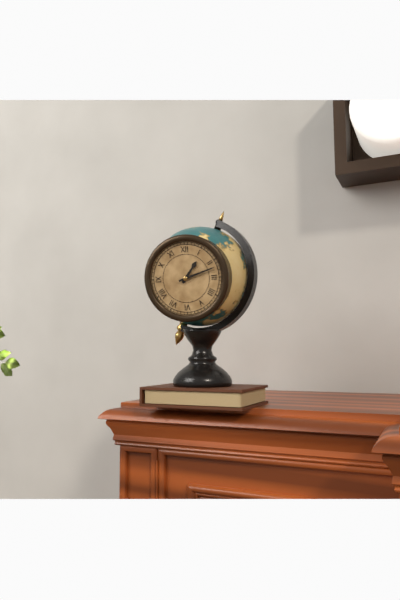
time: **1:12**
